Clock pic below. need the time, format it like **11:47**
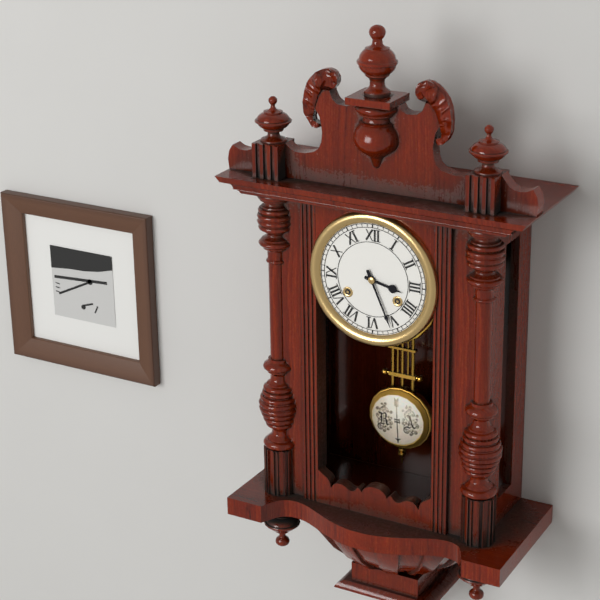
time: **3:26**
